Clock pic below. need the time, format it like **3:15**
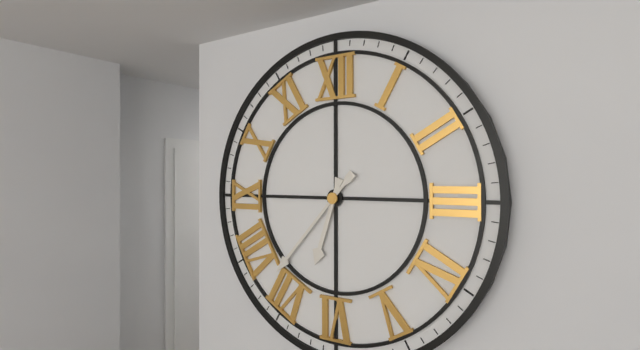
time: **6:37**
